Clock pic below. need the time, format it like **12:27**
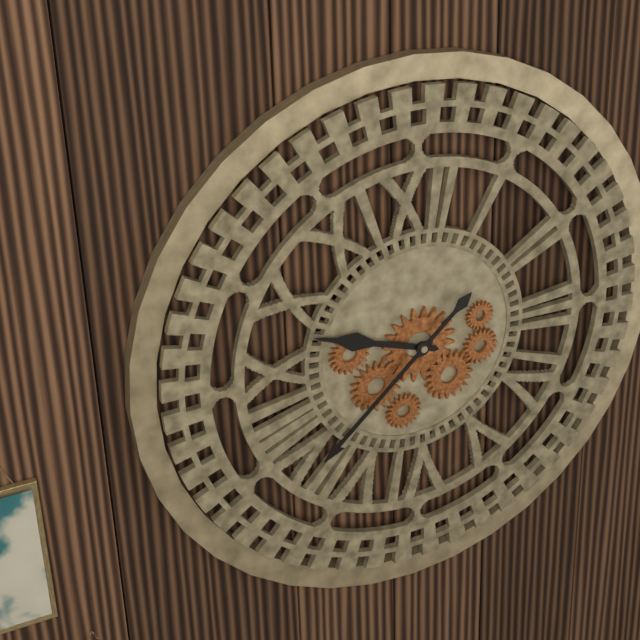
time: **9:38**
